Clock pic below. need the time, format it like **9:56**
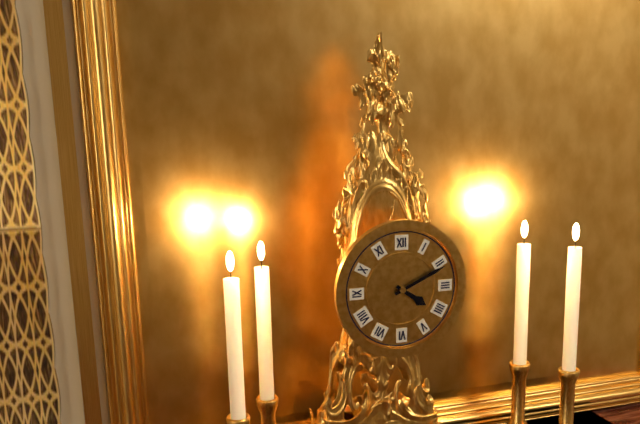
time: **4:11**
